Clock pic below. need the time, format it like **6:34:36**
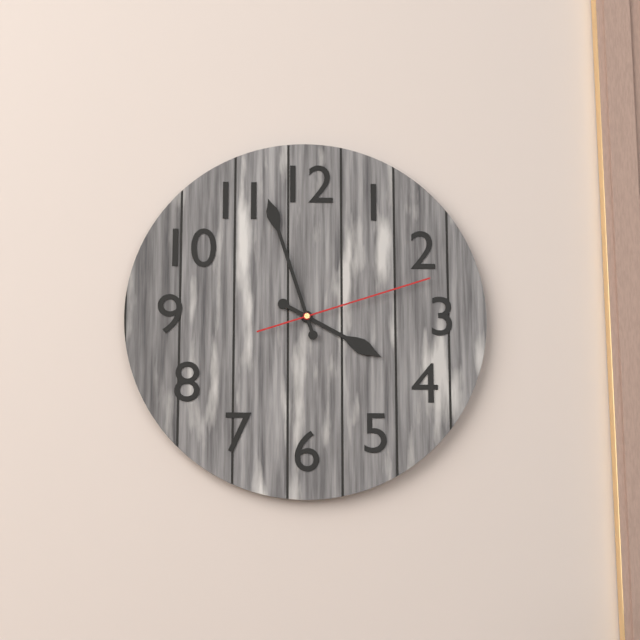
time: **3:57:12**
